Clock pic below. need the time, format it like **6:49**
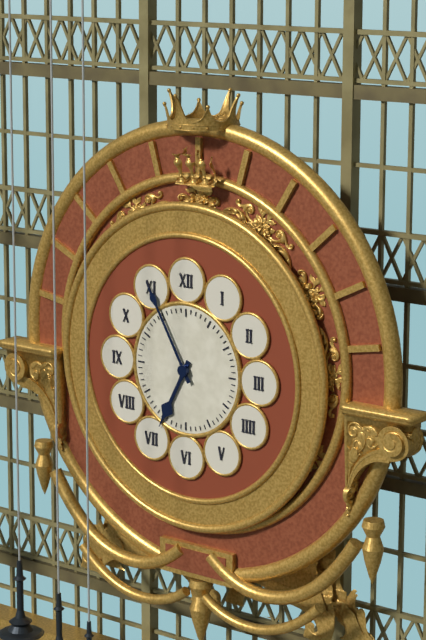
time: **6:55**
